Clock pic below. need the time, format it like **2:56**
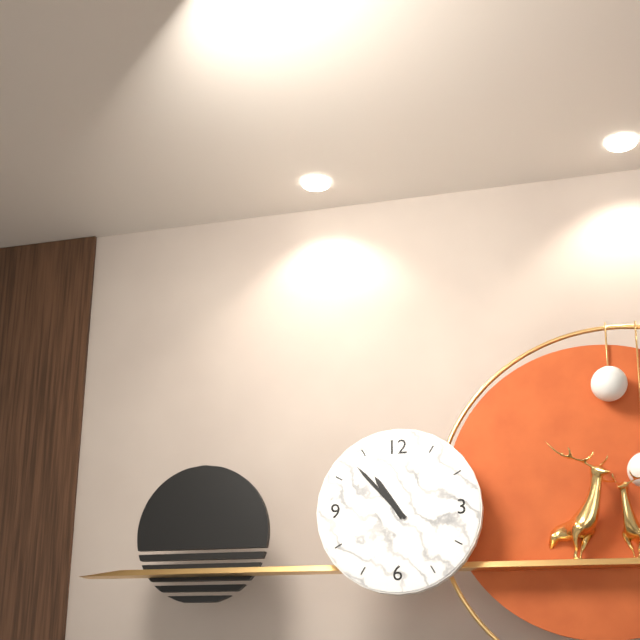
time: **10:53**
